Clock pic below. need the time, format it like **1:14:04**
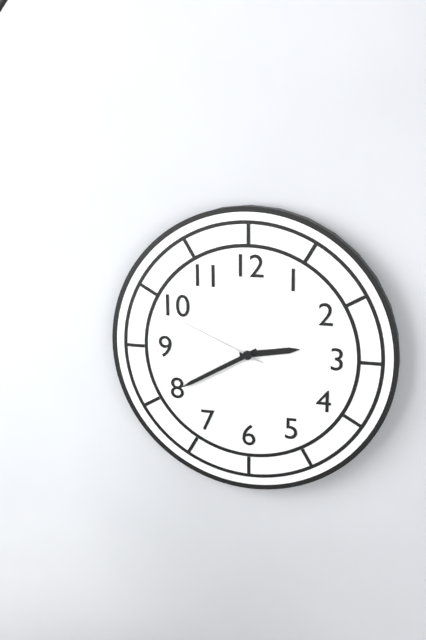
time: **2:40:49**
